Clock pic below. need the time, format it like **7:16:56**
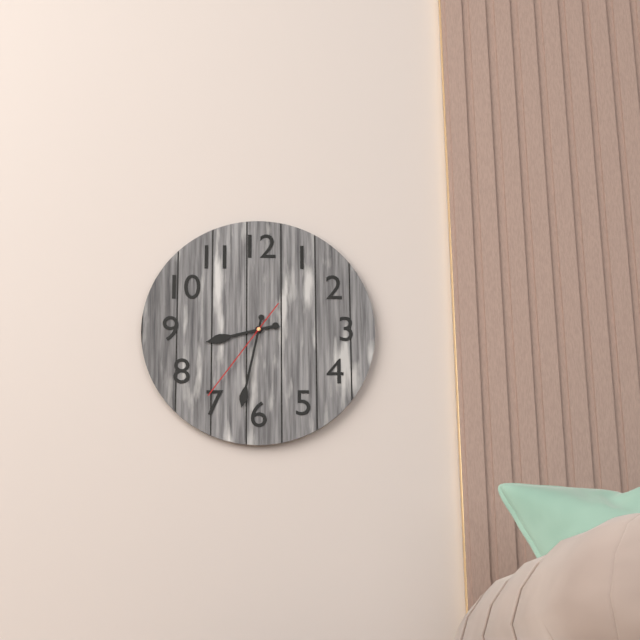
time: **8:32:36**
